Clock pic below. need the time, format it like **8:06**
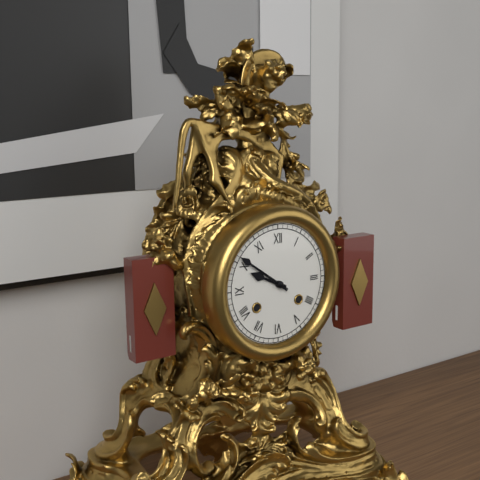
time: **9:51**
